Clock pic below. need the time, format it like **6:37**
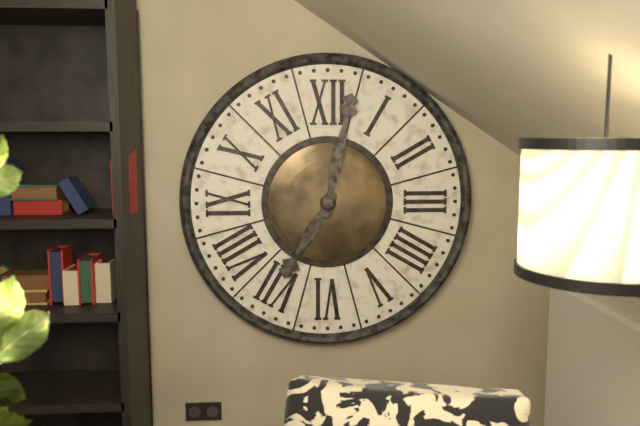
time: **7:02**
